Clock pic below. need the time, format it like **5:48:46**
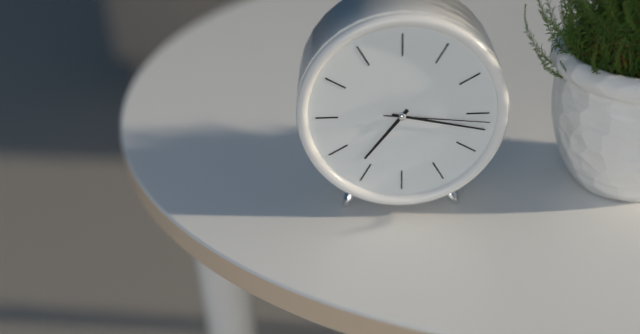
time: **7:17:16**
